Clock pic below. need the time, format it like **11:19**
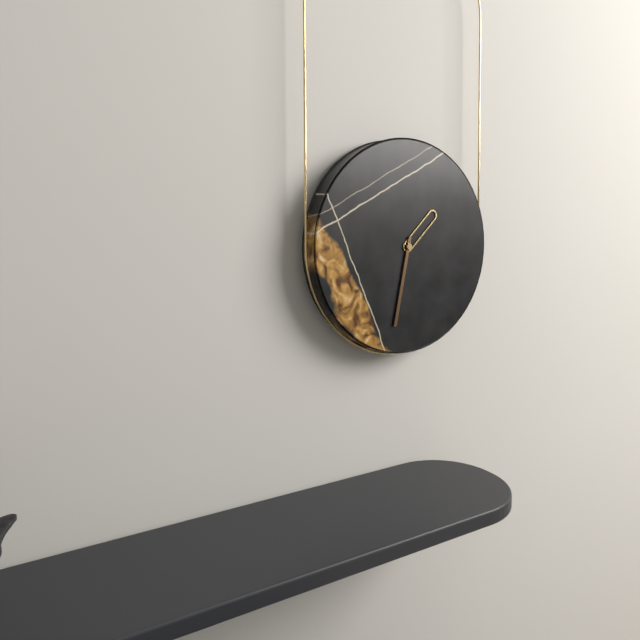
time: **1:32**
